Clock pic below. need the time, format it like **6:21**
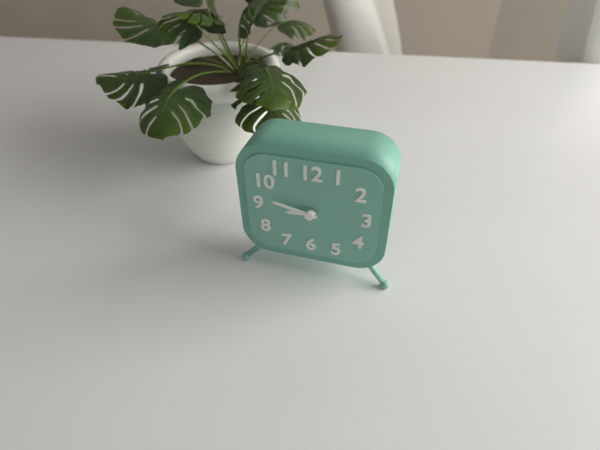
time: **8:47**
